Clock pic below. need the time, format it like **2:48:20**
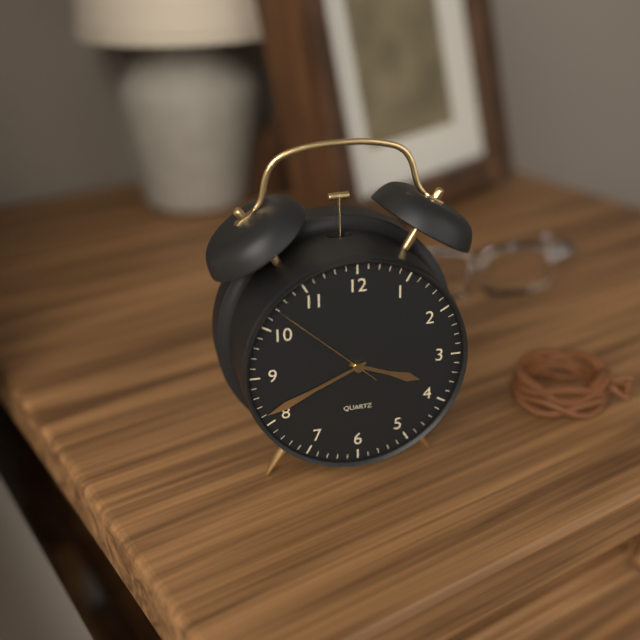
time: **3:41:52**
